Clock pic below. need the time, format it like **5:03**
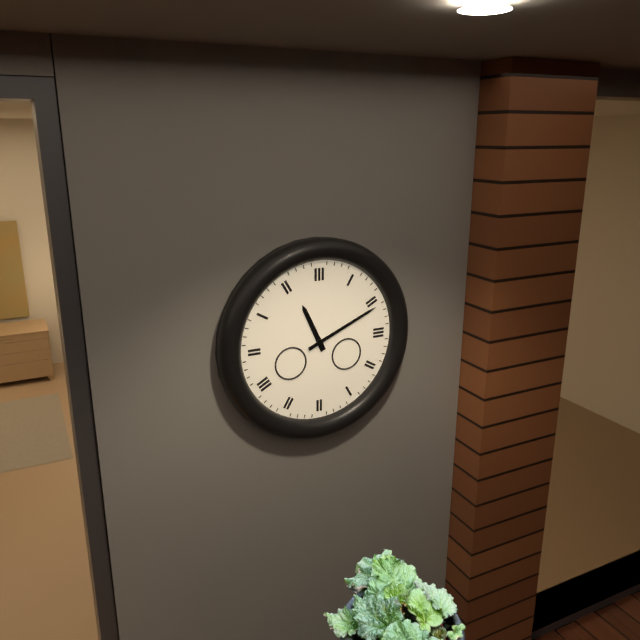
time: **11:11**
